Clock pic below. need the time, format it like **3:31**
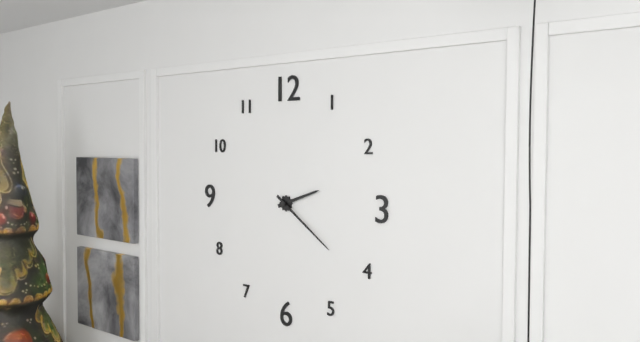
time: **2:21**
